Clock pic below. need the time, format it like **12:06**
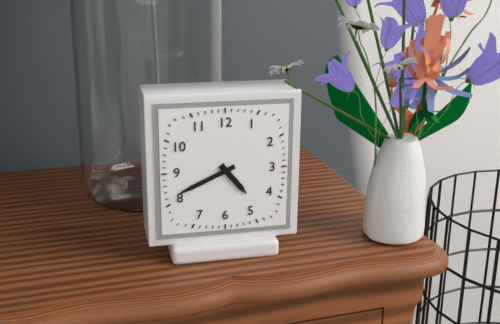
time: **4:41**
